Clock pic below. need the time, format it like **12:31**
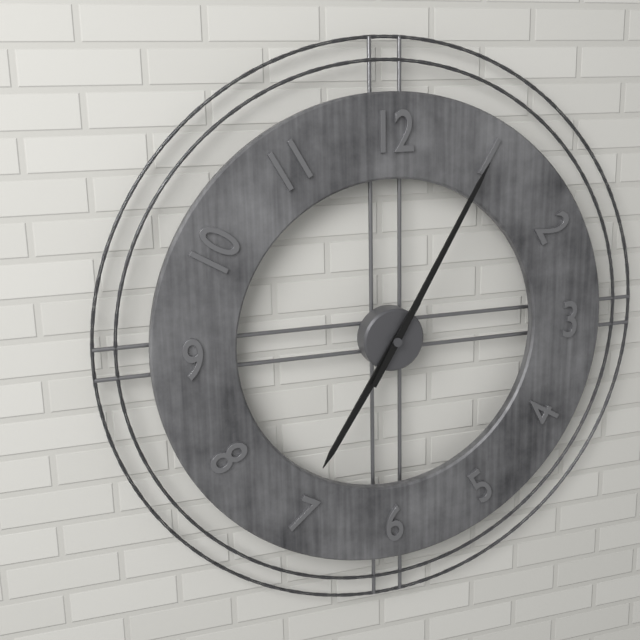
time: **7:05**
